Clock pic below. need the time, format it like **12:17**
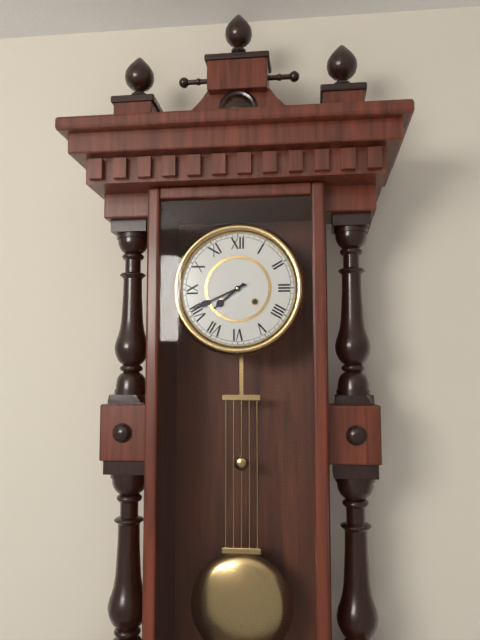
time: **7:41**
